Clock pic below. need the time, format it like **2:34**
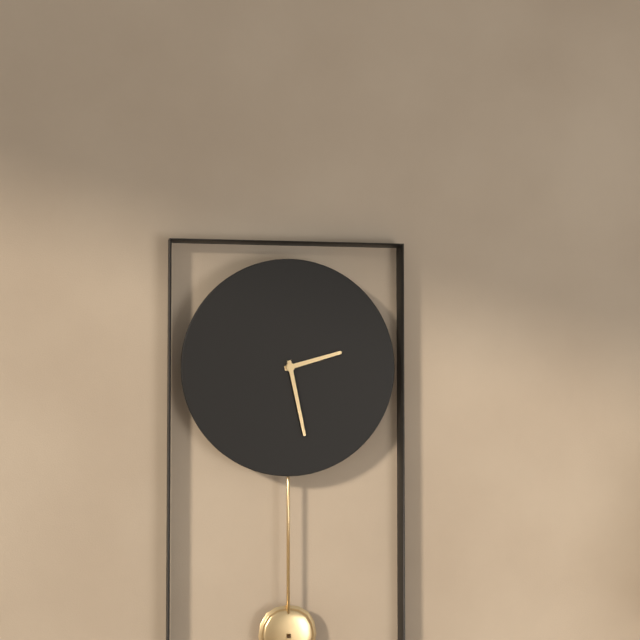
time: **2:28**
